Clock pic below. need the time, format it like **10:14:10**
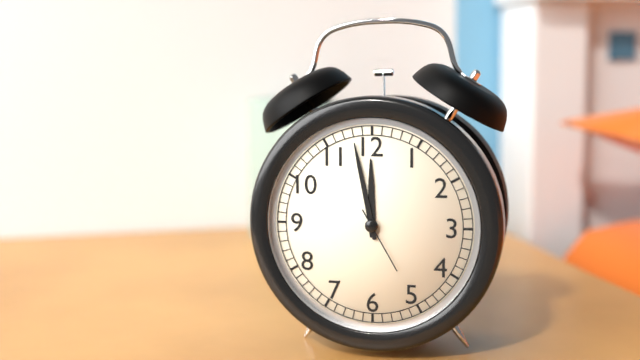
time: **11:58:25**
